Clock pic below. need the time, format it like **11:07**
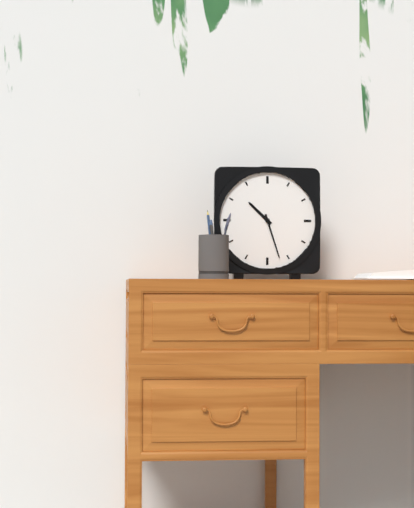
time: **10:27**
